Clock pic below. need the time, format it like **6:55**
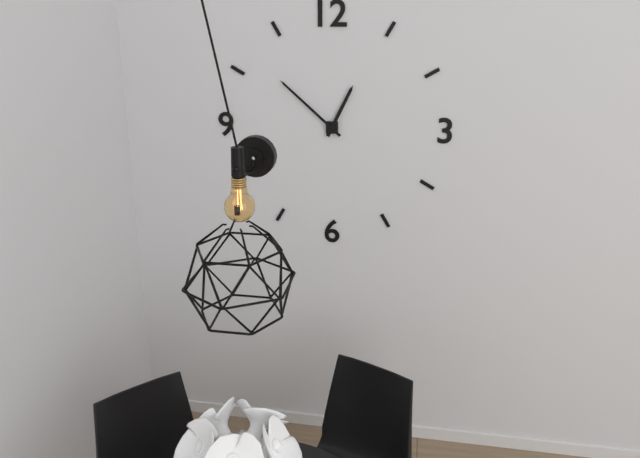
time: **12:52**
